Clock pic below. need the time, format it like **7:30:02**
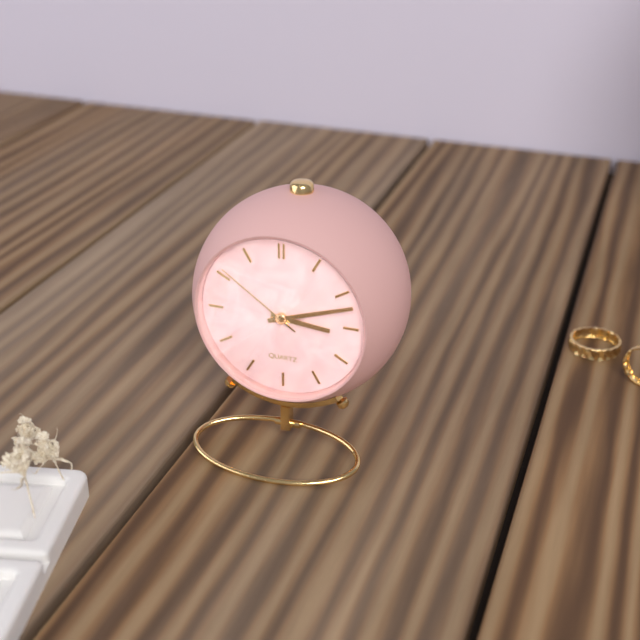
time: **3:12:51**
